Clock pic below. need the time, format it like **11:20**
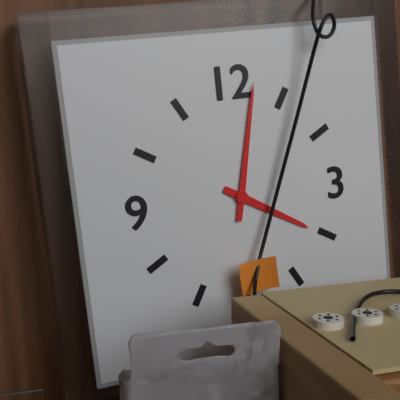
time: **4:02**
